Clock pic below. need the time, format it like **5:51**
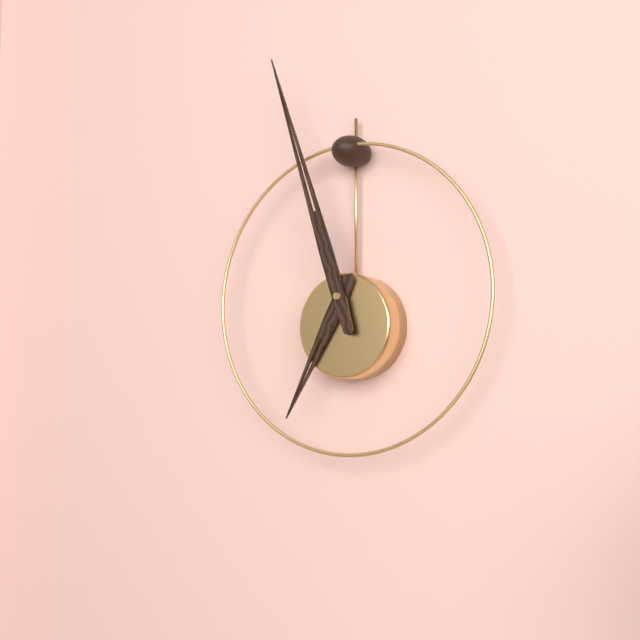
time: **6:57**
